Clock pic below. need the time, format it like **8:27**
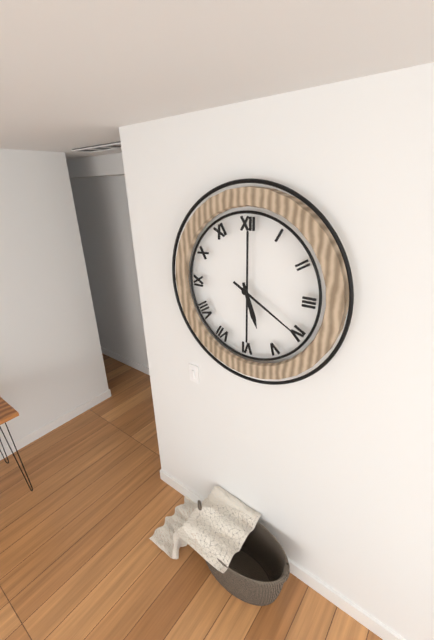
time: **5:20**
